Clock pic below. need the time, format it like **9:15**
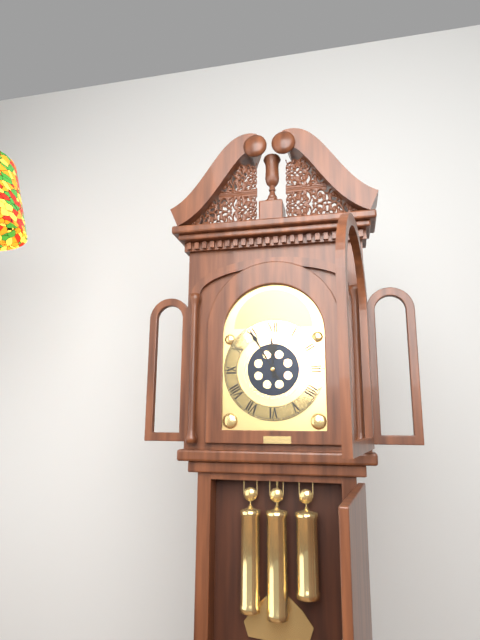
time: **11:55**
